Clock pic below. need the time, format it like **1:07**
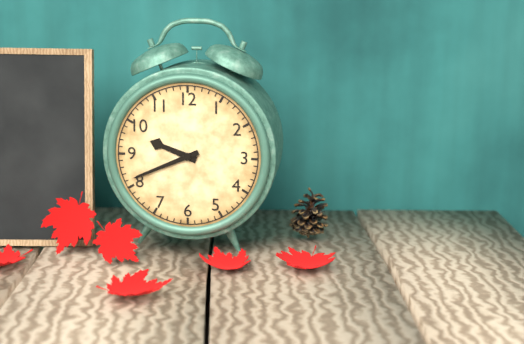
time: **9:41**
